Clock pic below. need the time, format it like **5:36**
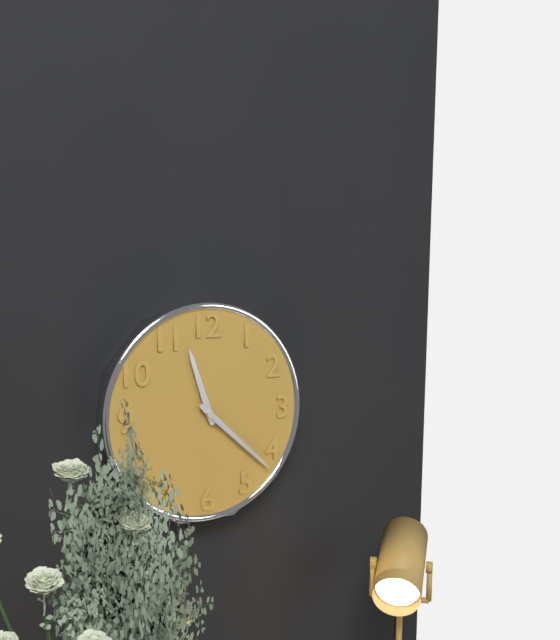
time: **11:22**
